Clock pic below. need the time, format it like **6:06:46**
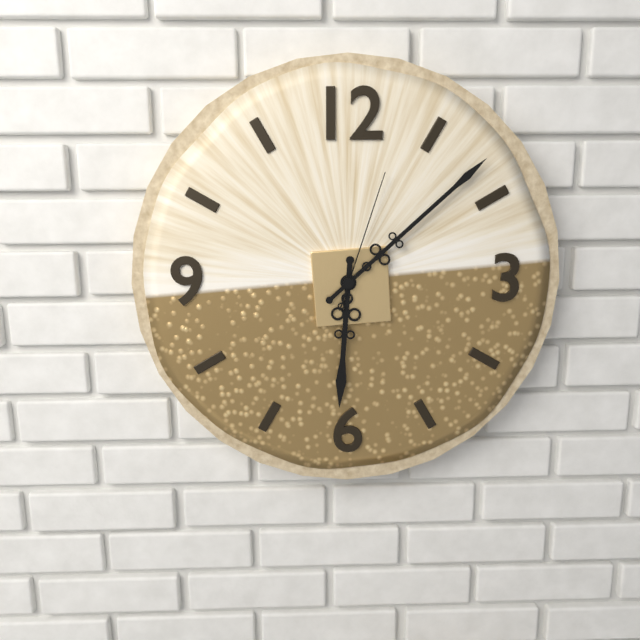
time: **6:08:03**
